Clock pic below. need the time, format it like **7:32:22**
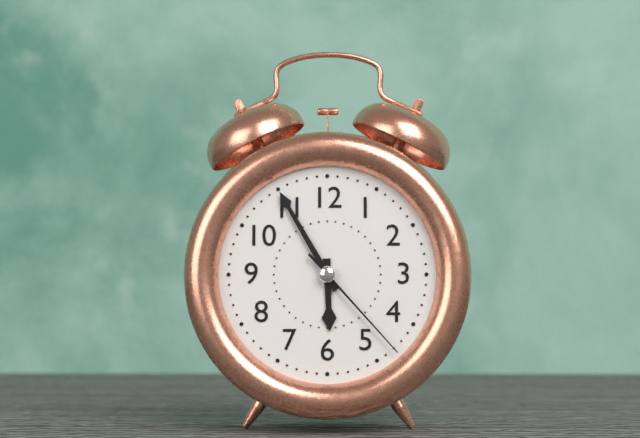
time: **5:55:23**
